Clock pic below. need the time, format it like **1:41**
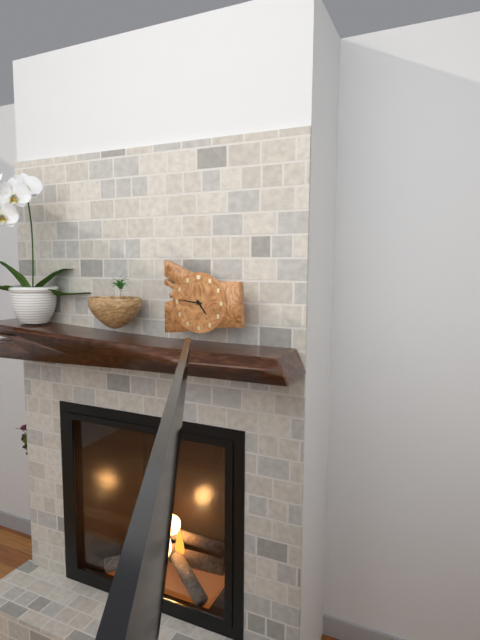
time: **4:46**
